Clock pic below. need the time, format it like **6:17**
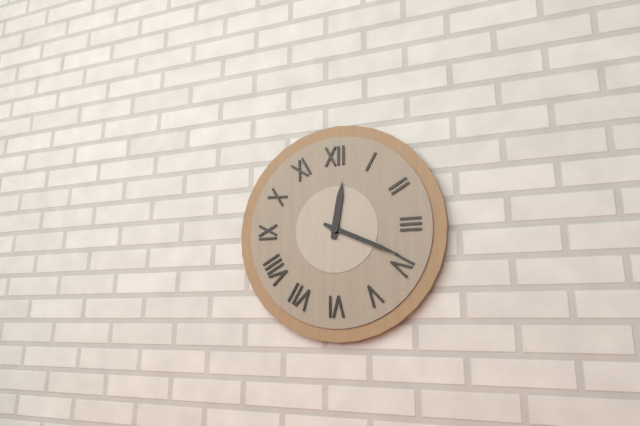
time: **12:19**
